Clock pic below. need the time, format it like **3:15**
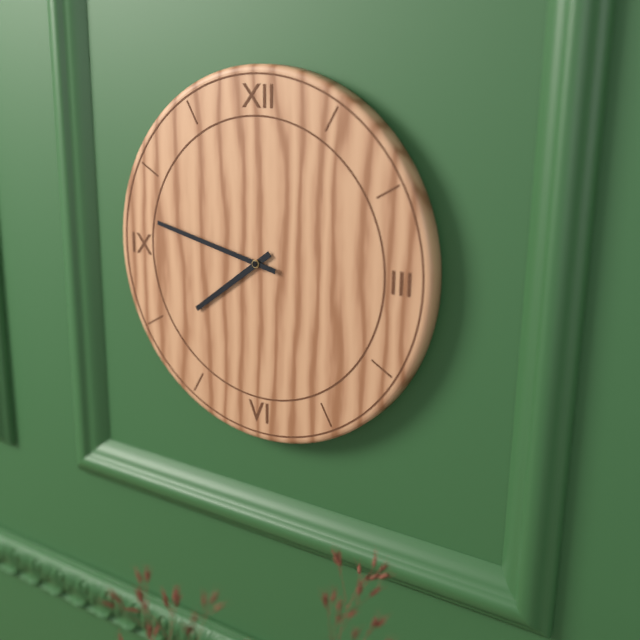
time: **7:47**
